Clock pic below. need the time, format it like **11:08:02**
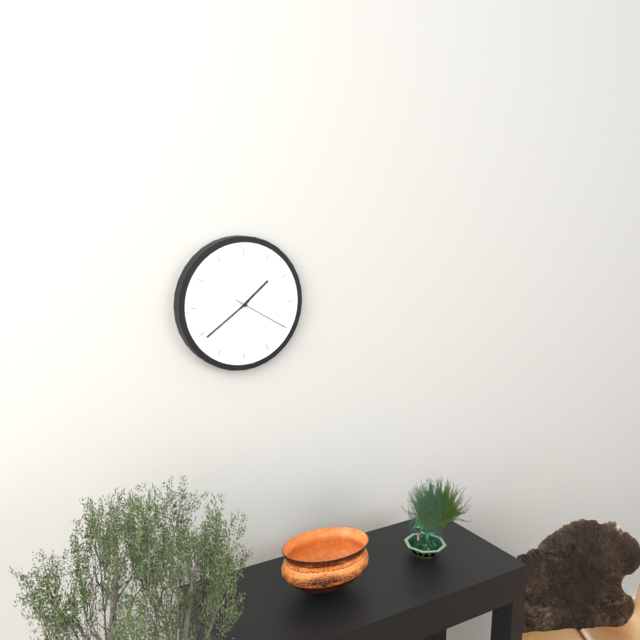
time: **1:39:20**
